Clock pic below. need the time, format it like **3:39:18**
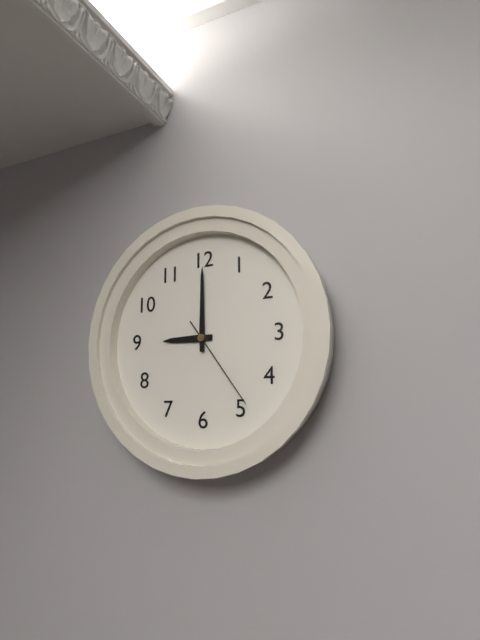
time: **9:00:24**
